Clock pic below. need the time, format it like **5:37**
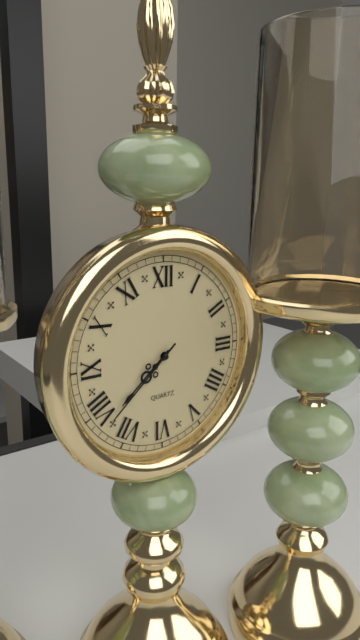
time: **7:38**
